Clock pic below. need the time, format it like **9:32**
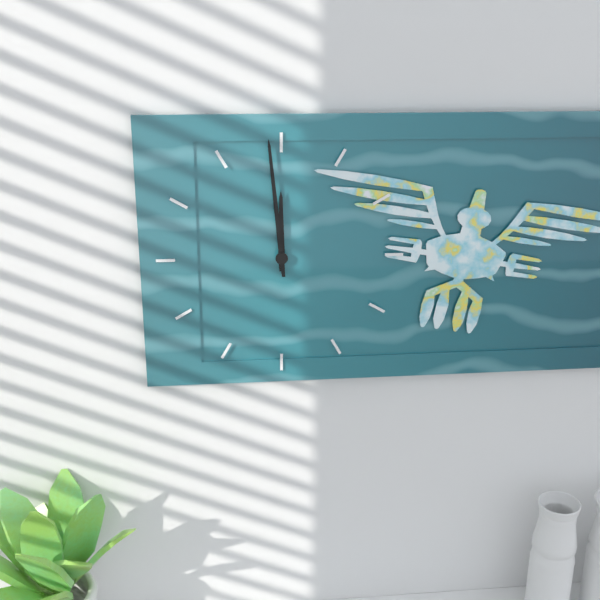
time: **11:59**
